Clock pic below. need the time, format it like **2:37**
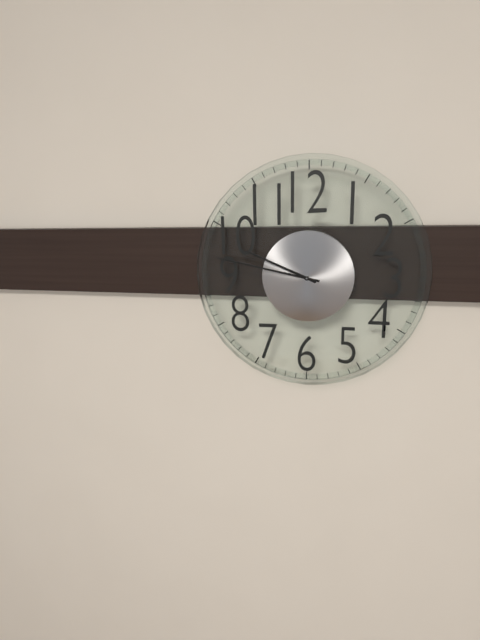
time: **9:47**
